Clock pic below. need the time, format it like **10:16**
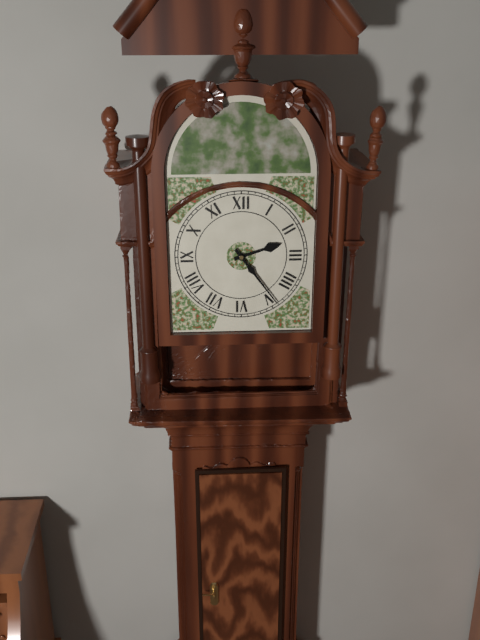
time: **2:24**
